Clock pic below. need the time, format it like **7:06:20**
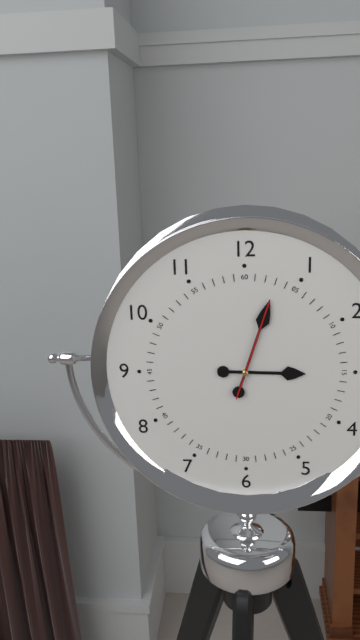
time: **3:03:03**
